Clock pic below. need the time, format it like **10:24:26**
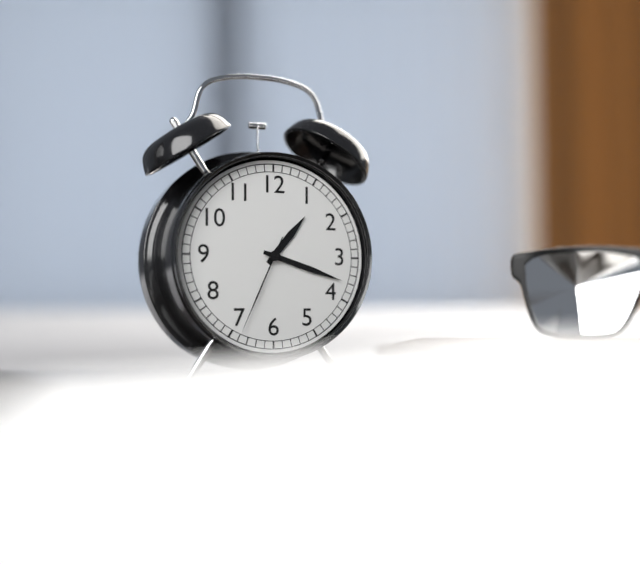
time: **1:18:34**
